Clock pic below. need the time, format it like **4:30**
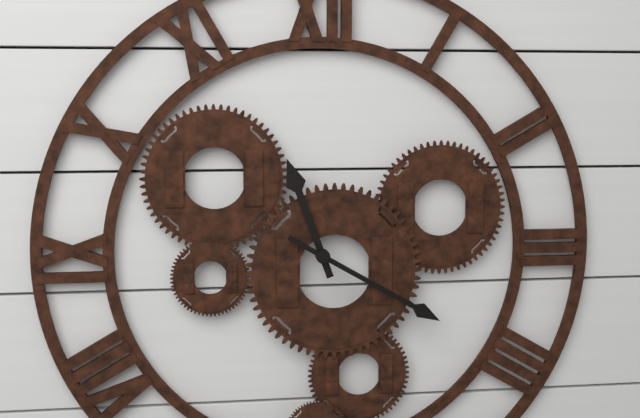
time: **11:20**
